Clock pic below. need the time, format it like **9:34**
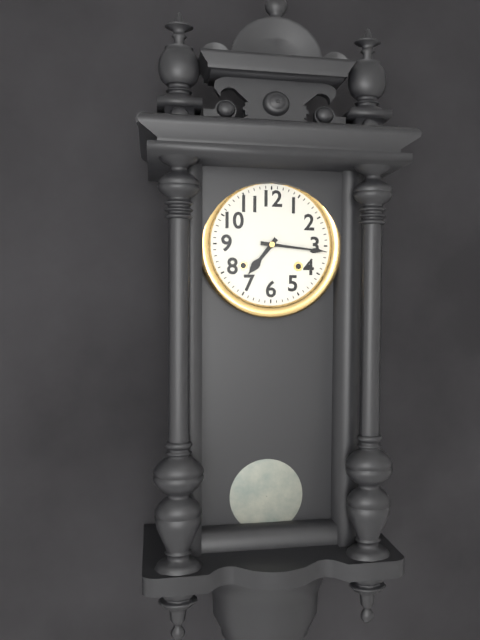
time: **7:16**
